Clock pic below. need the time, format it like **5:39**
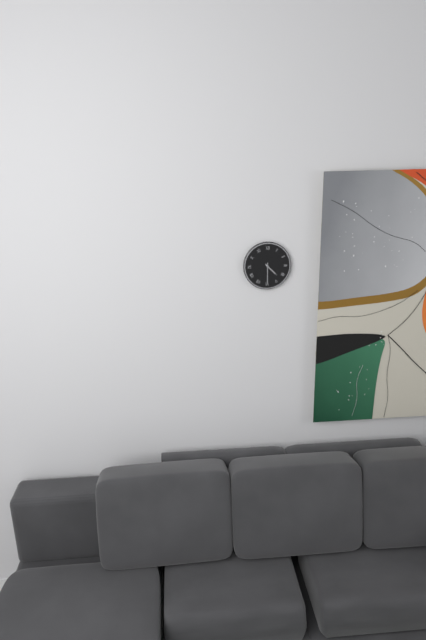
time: **4:30**
